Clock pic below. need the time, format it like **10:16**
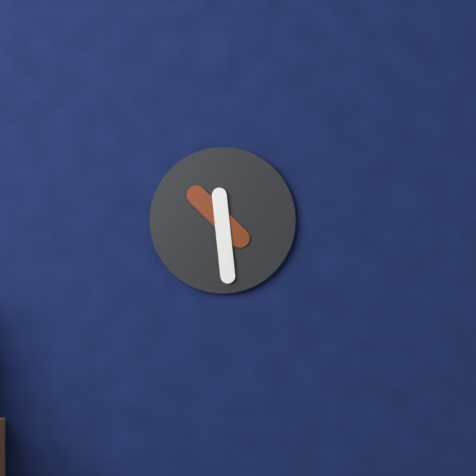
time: **10:29**
